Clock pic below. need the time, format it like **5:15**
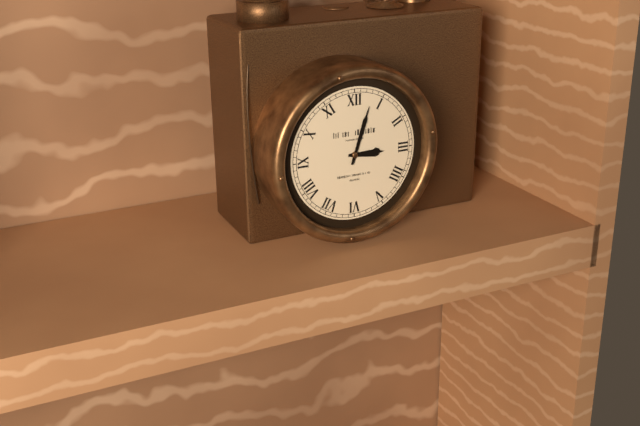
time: **3:03**
